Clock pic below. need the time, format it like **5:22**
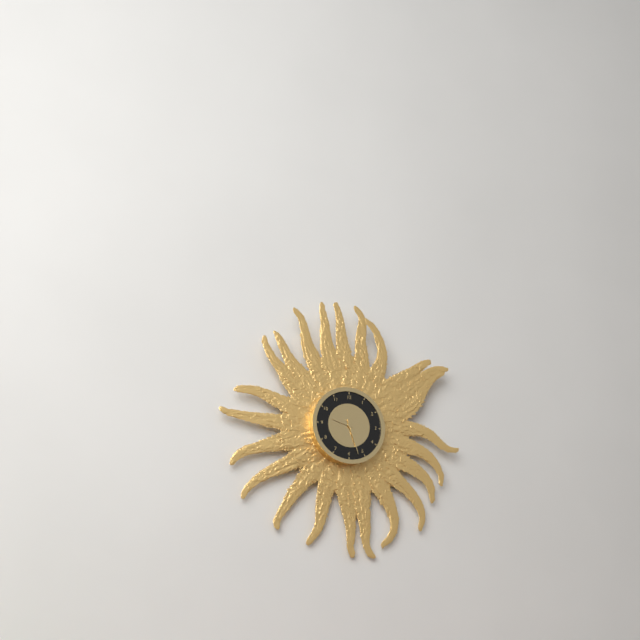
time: **9:27**
